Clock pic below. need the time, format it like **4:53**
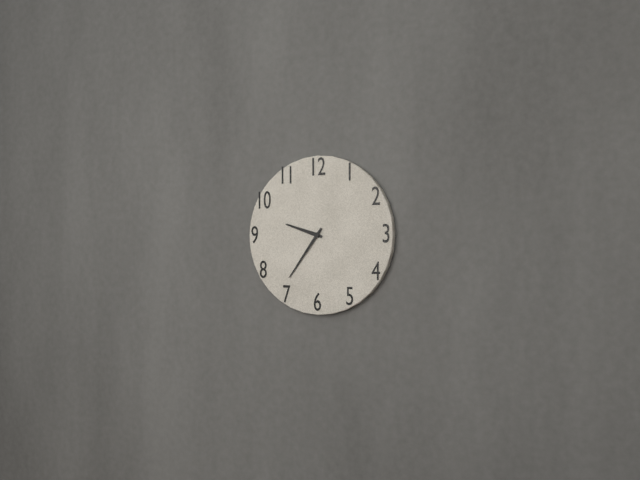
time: **9:36**
